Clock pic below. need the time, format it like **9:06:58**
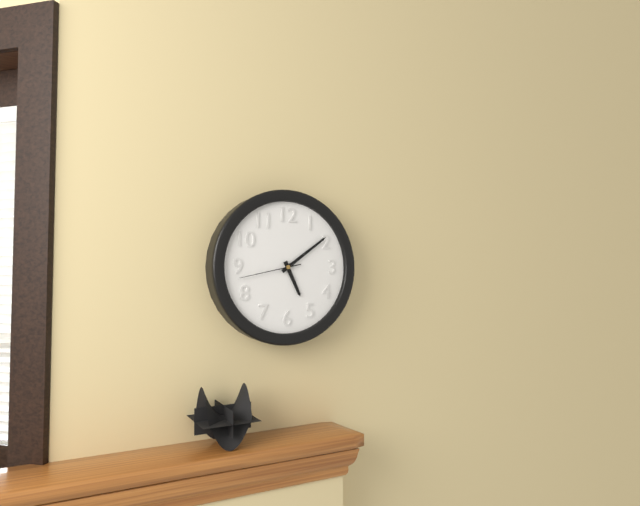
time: **5:09:43**
